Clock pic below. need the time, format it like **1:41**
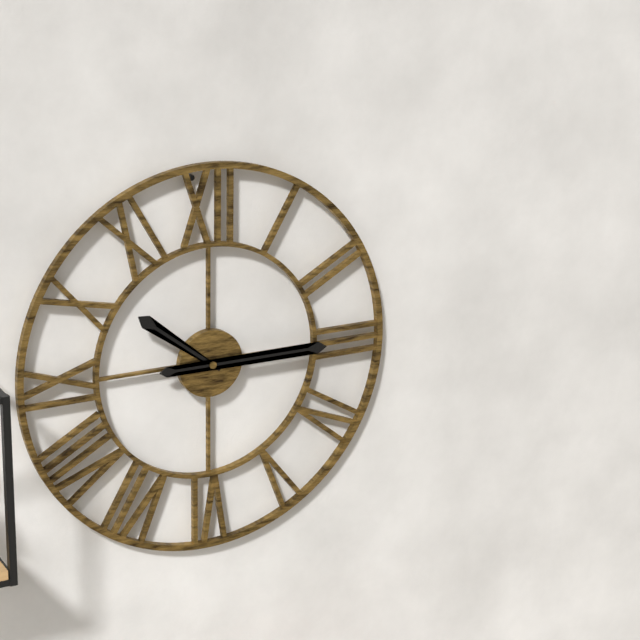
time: **10:15**
